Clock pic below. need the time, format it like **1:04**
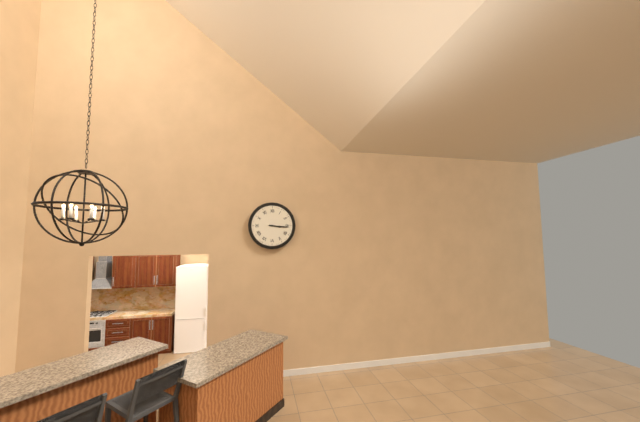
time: **3:16**
